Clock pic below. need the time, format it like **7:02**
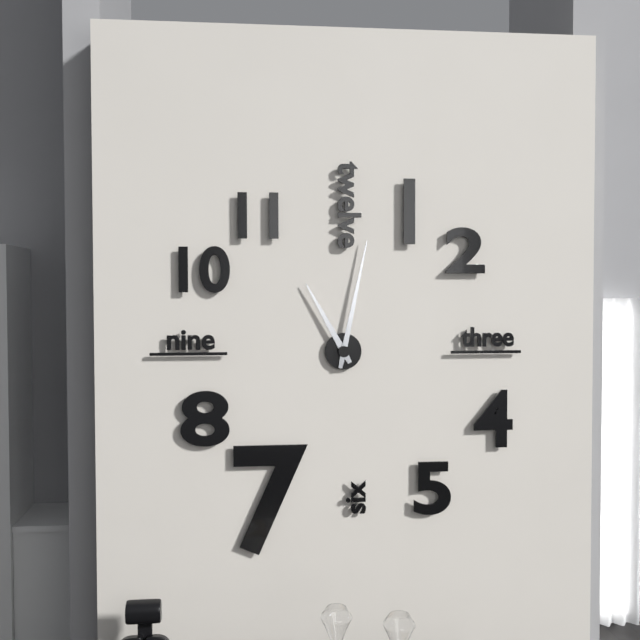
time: **11:02**
